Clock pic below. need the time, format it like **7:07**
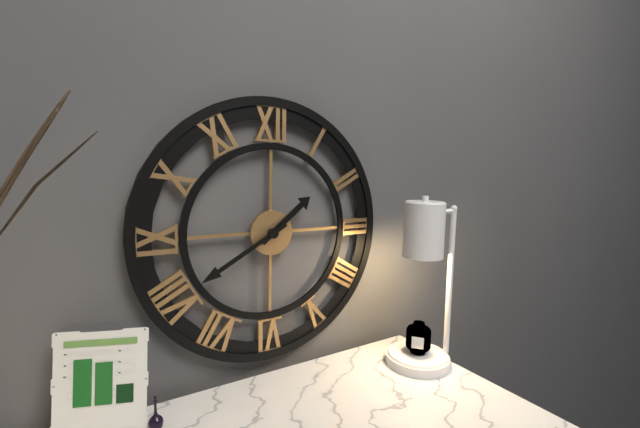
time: **1:40**
